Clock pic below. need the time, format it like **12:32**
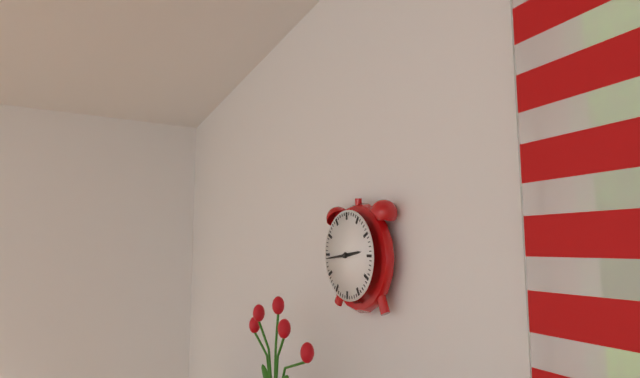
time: **2:44**
